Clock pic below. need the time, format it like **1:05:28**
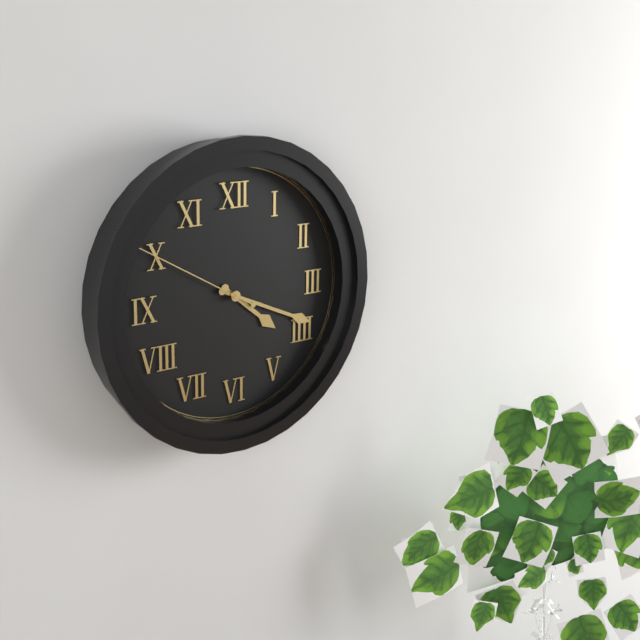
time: **4:19:50**
